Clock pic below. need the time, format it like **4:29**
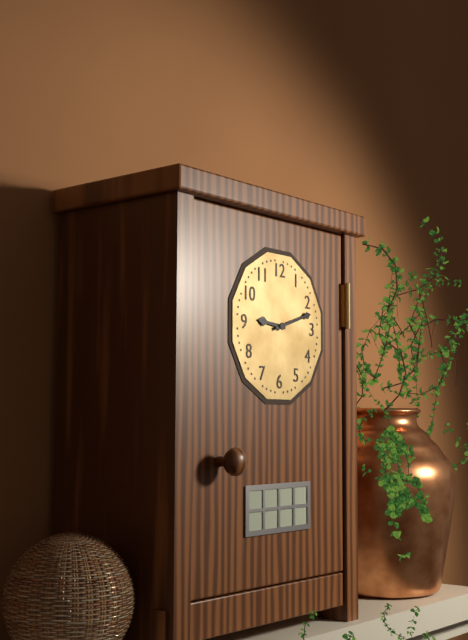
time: **9:12**
